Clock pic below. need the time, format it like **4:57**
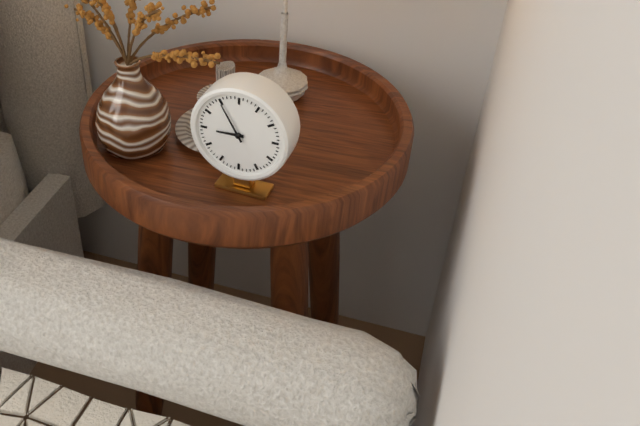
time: **8:55**
